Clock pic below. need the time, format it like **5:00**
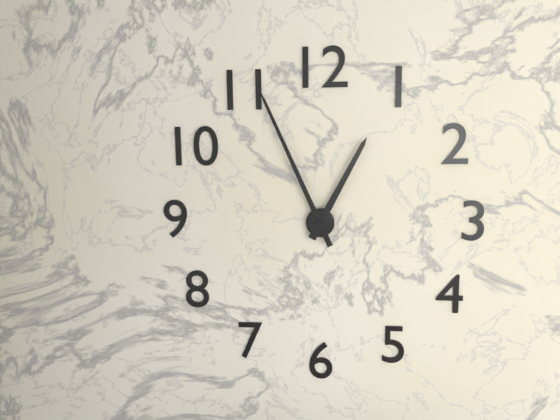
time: **12:56**
